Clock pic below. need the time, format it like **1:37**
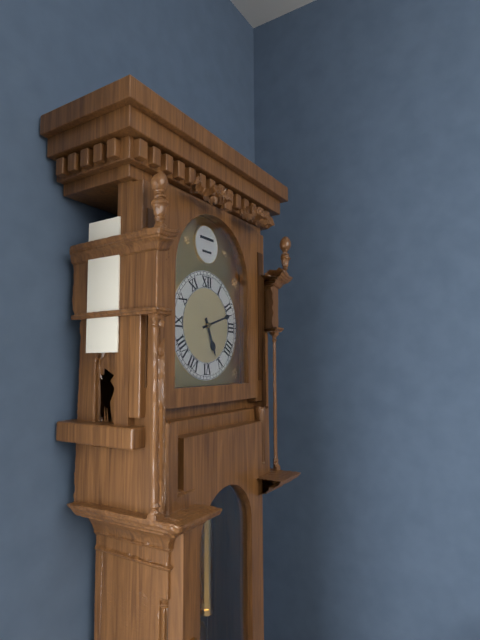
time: **5:12**
